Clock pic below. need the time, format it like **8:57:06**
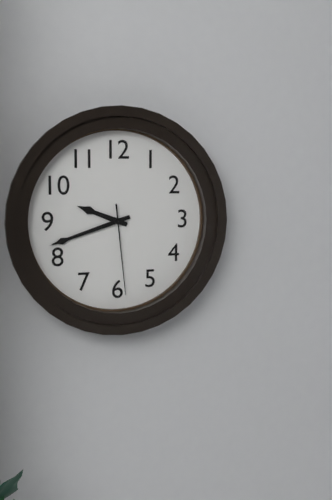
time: **9:42:29**
